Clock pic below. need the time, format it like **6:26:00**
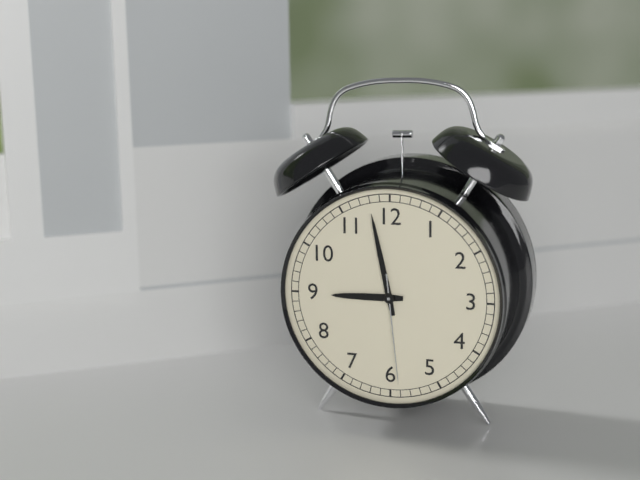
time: **8:58:29**
